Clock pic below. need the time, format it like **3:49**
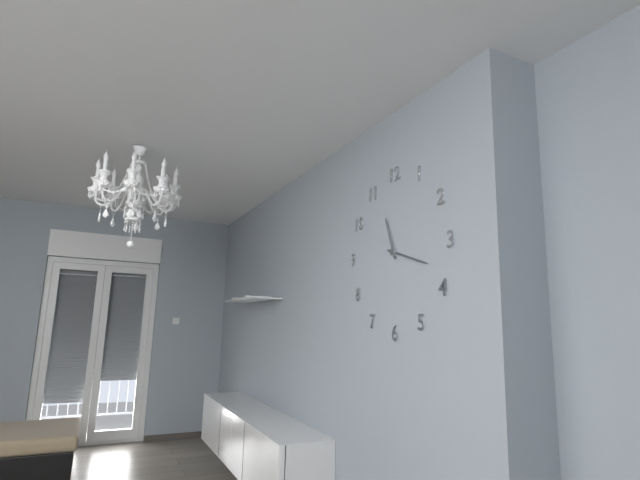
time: **11:18**
